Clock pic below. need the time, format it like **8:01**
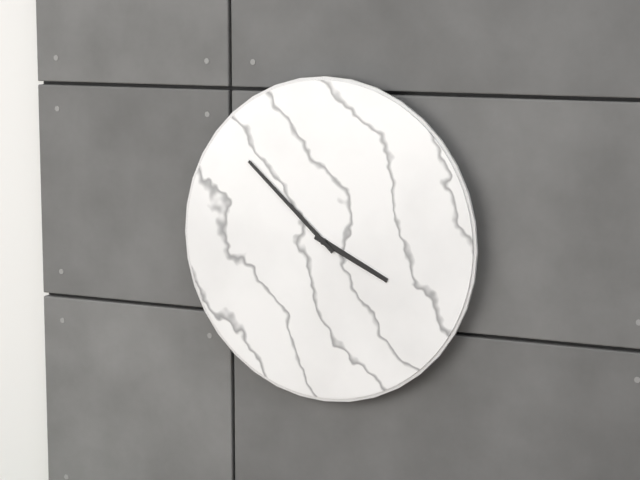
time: **3:52**
